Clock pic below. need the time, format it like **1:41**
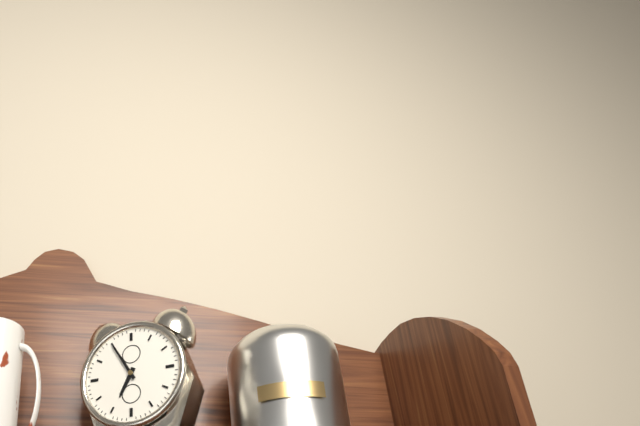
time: **6:55**
